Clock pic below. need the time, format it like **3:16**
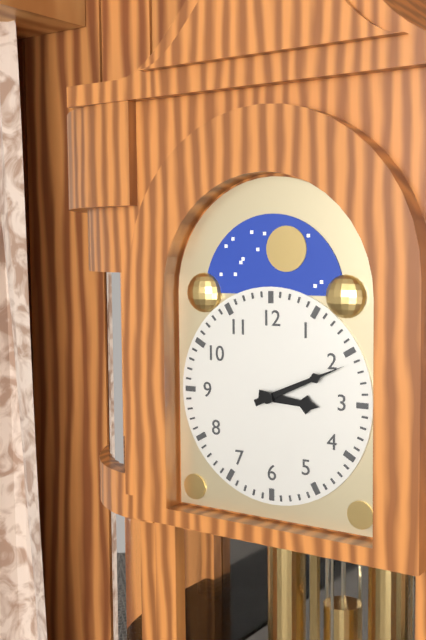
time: **3:11**
